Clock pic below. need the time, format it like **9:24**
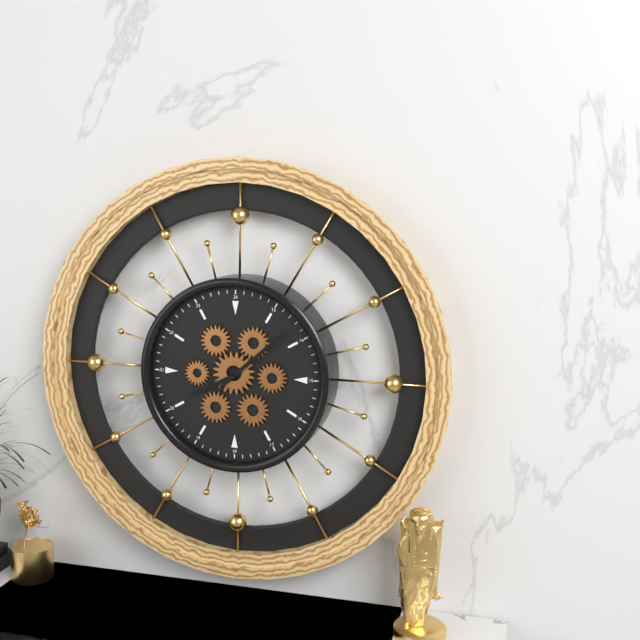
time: **8:08**
